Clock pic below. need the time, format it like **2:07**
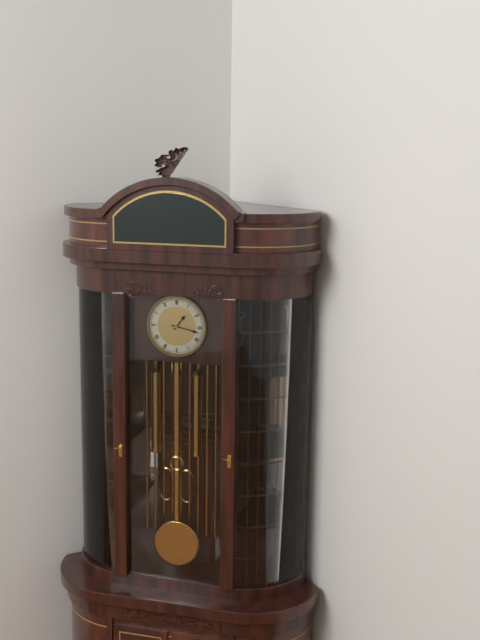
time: **1:17**
